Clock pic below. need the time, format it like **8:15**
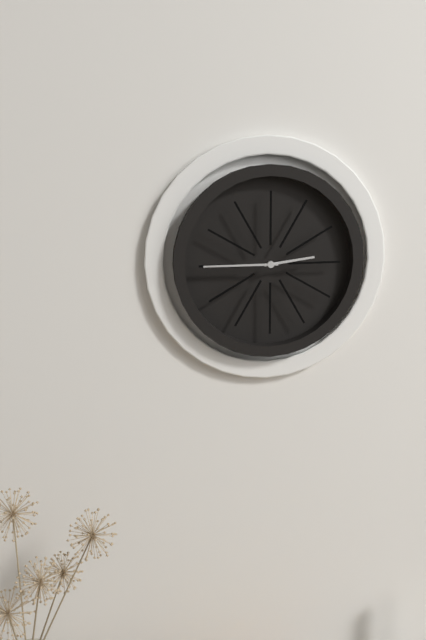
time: **2:45**
